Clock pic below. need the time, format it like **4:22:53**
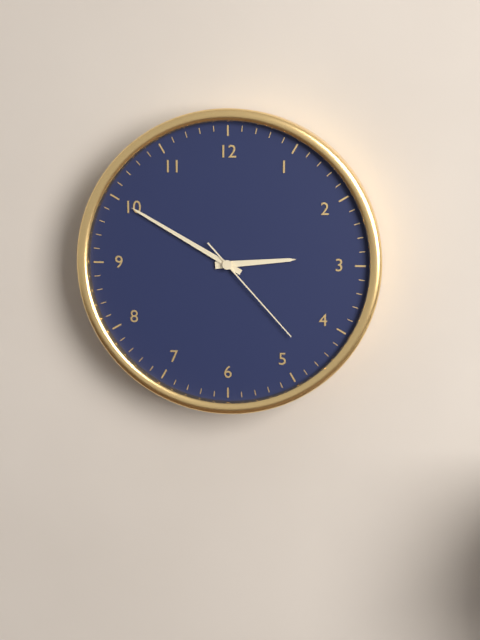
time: **2:50:23**
